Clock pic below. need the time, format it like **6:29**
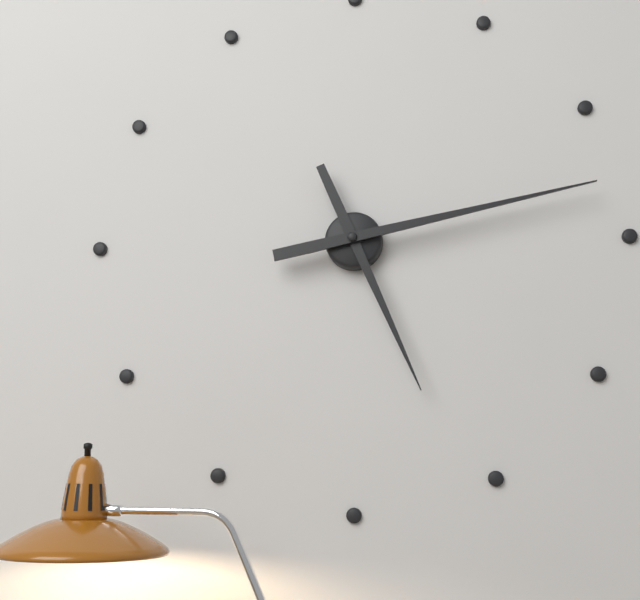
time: **5:13**
